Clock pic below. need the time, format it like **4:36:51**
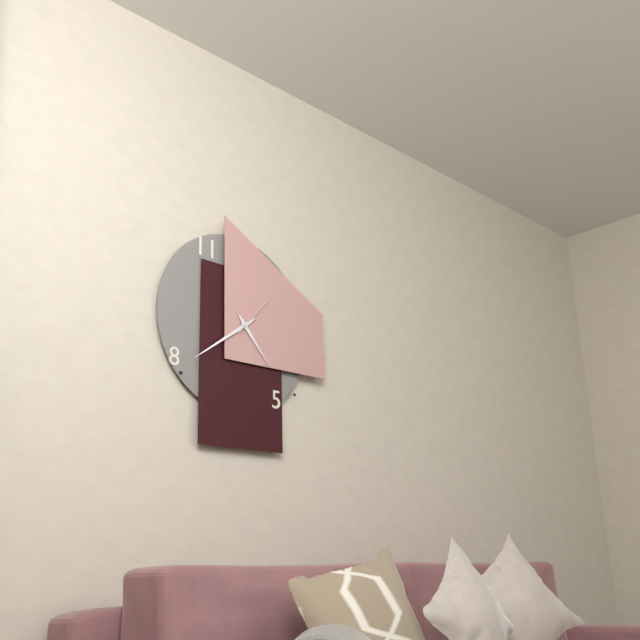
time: **4:39:07**
